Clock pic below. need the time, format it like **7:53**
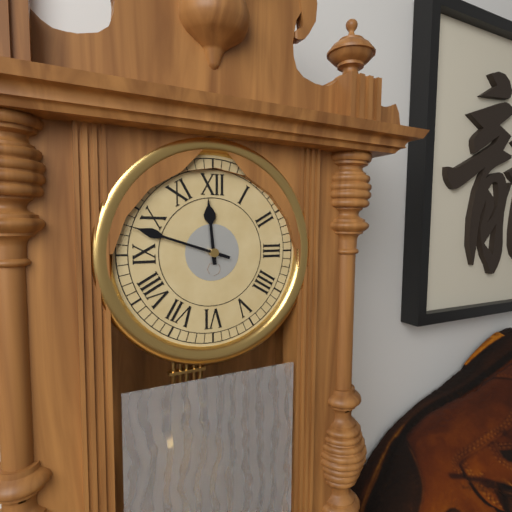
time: **11:48**
